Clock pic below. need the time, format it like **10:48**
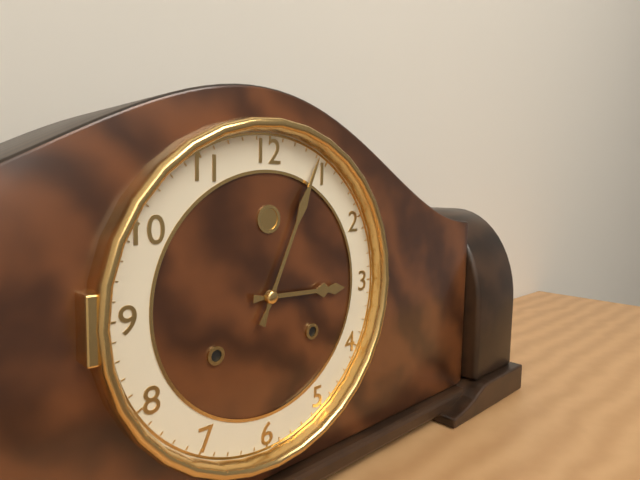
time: **3:04**
